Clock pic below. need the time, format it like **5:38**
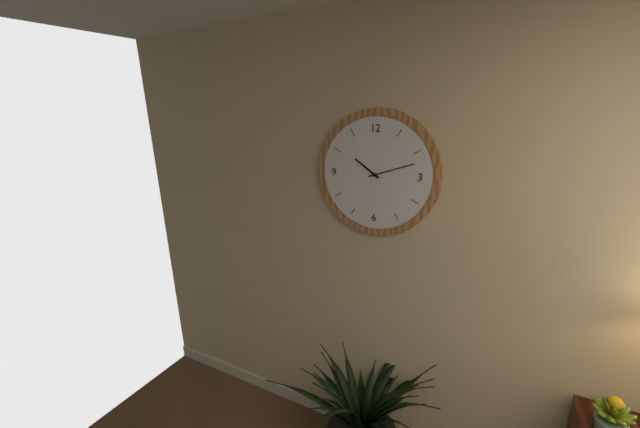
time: **10:12**
